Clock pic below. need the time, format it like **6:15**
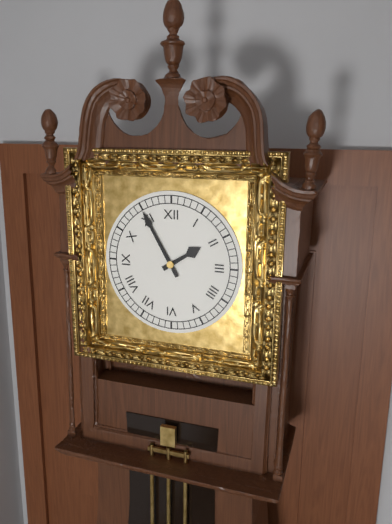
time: **1:55**
